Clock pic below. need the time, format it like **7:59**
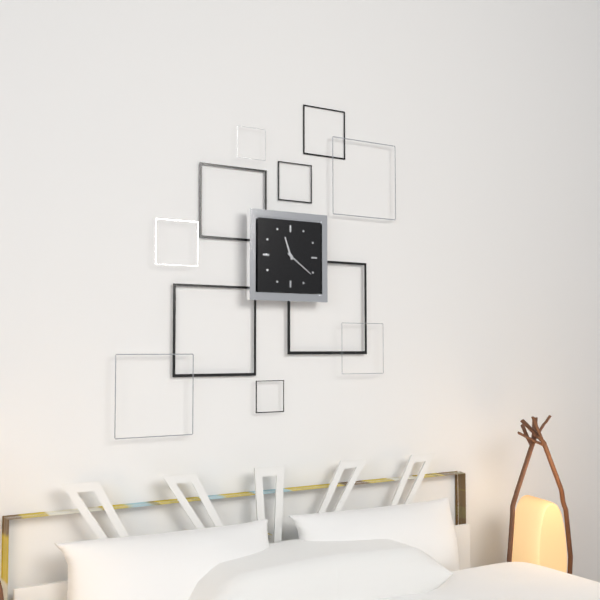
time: **11:21**
